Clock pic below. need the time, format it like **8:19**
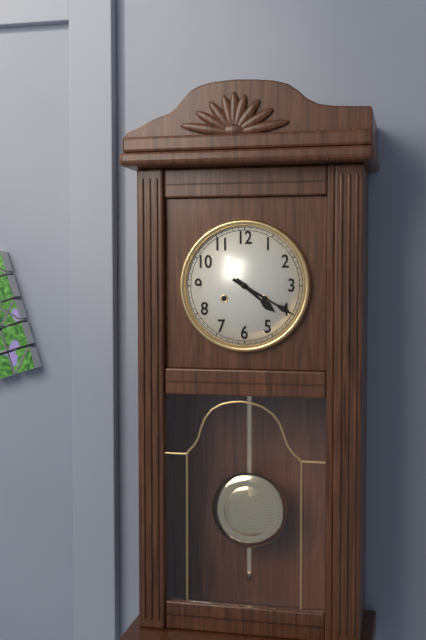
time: **4:20**
